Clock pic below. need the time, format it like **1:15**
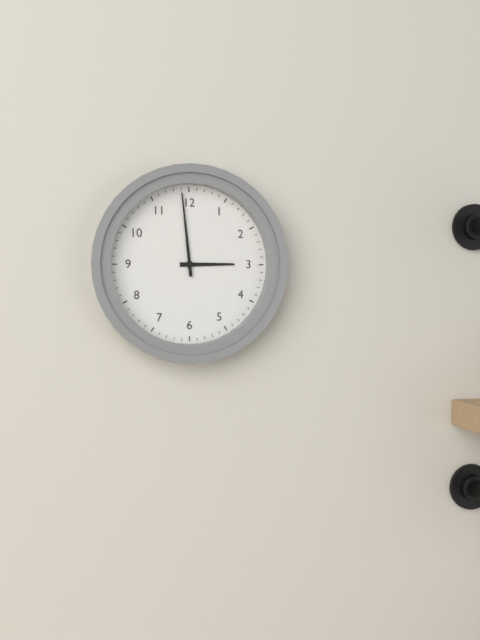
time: **2:59**
